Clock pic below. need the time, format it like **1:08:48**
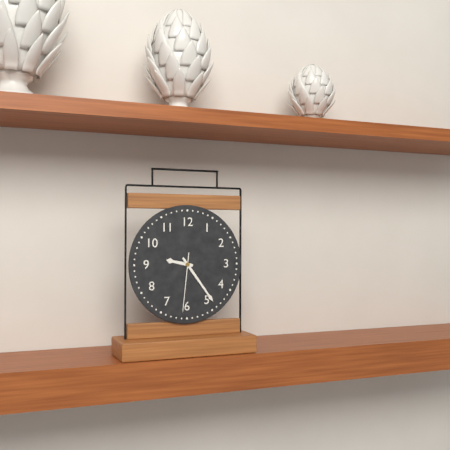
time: **9:24:31**
